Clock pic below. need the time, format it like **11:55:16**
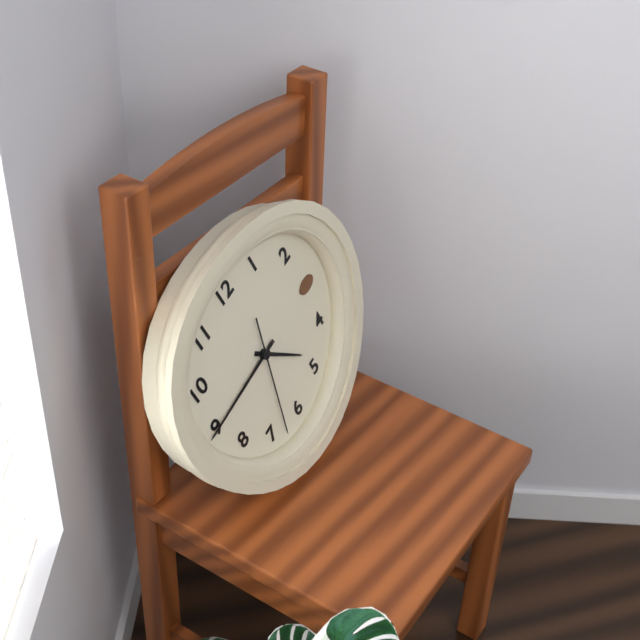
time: **4:45:33**
